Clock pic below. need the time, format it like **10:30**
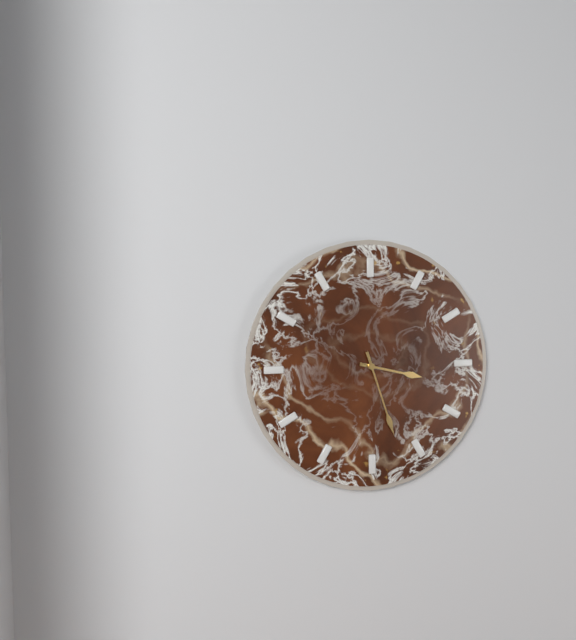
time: **3:27**
